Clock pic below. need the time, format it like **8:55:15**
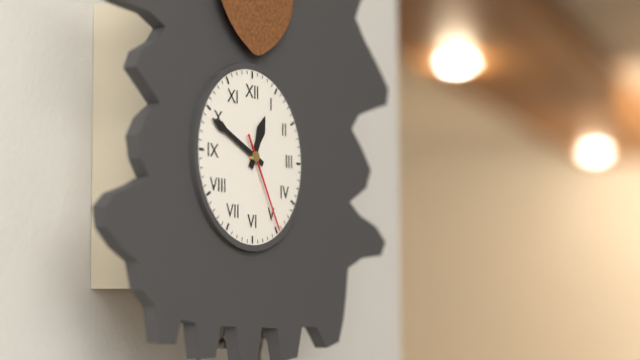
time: **12:49:25**
